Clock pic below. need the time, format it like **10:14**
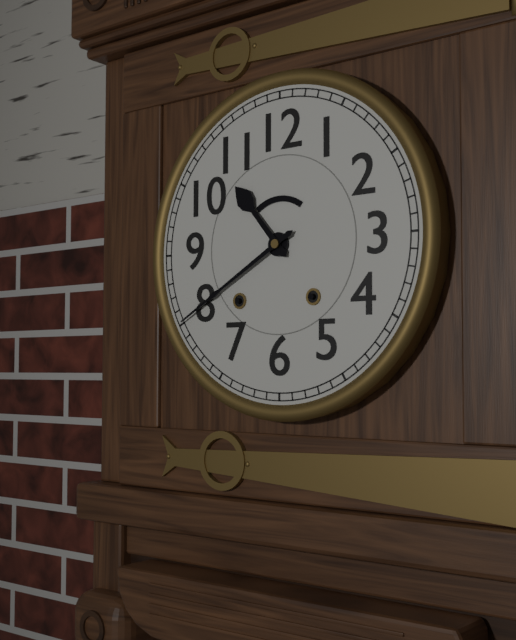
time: **10:40**
